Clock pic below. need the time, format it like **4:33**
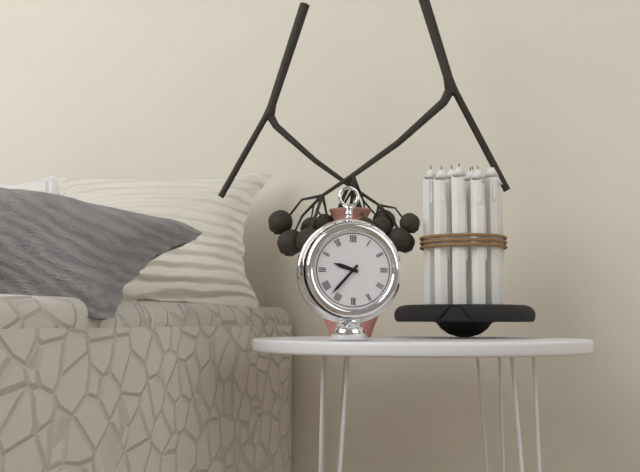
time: **9:37**
